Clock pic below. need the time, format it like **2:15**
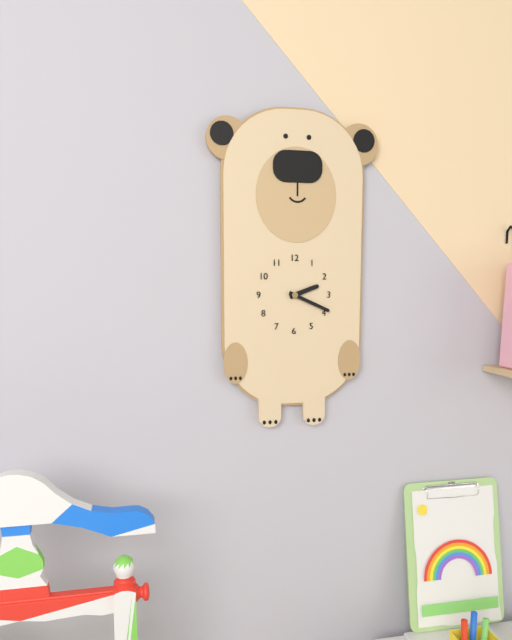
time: **2:19**
